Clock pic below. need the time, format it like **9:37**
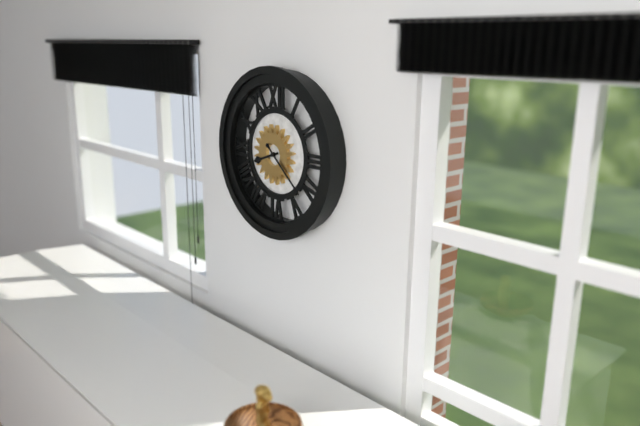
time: **8:22**
